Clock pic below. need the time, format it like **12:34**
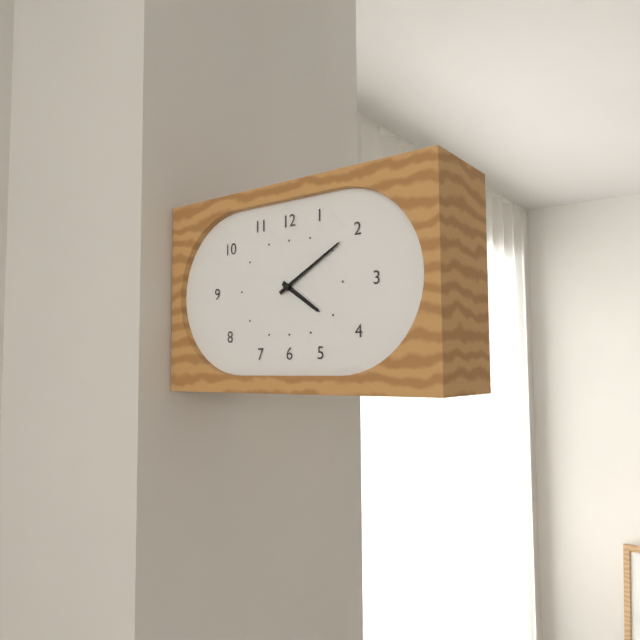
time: **4:10**
